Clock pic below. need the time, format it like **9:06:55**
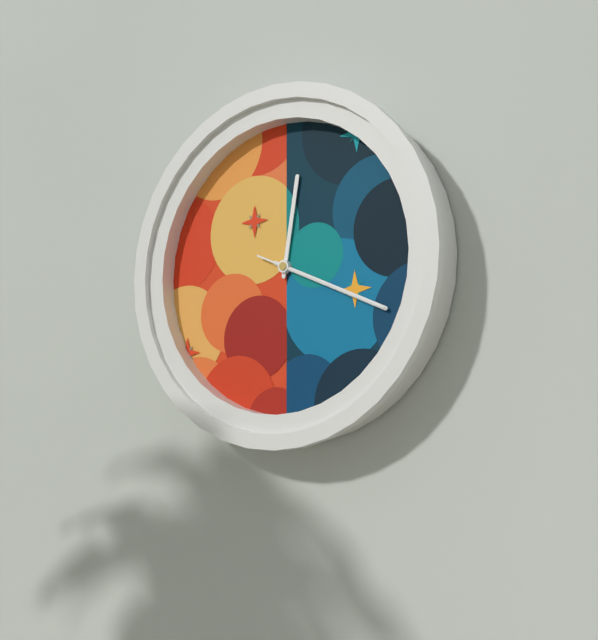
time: **12:19:19**
